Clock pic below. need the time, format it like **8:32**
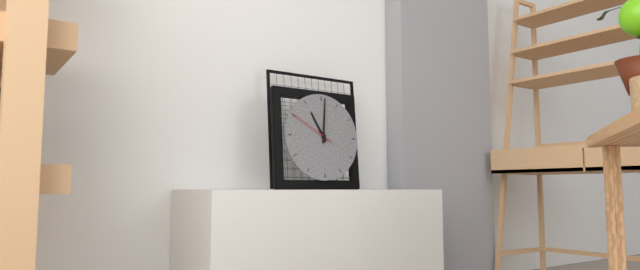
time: **11:01**
